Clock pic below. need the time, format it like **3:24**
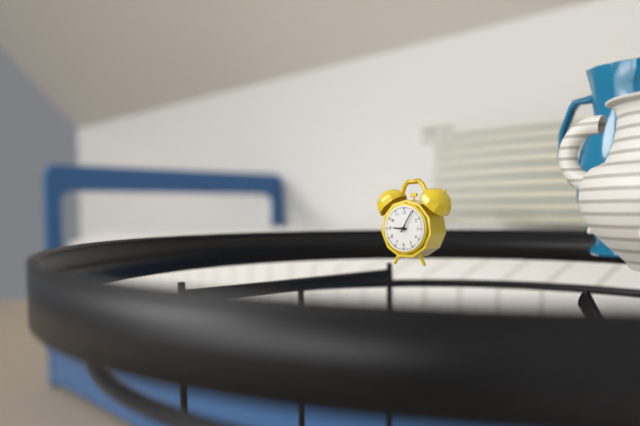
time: **9:05**
